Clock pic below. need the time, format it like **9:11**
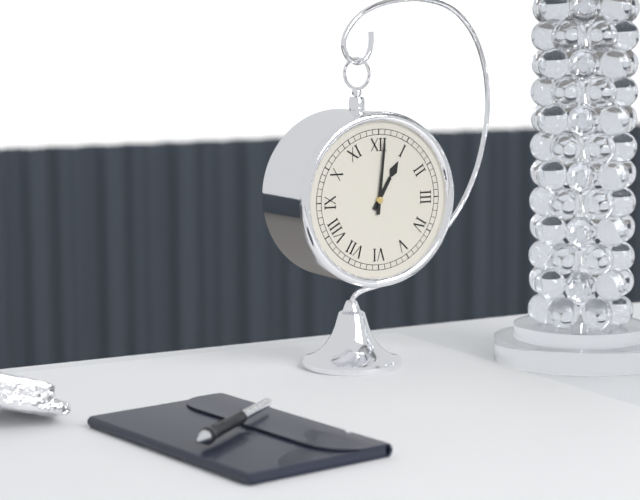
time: **1:01**
